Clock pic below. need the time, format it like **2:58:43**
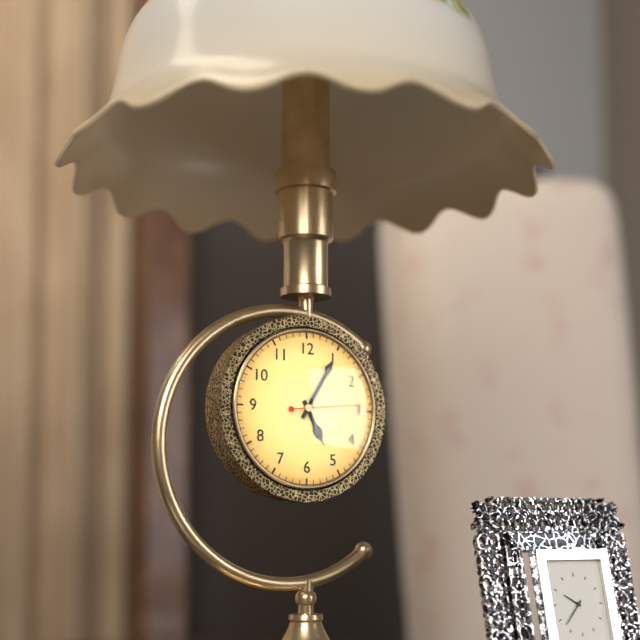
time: **5:05:14**
